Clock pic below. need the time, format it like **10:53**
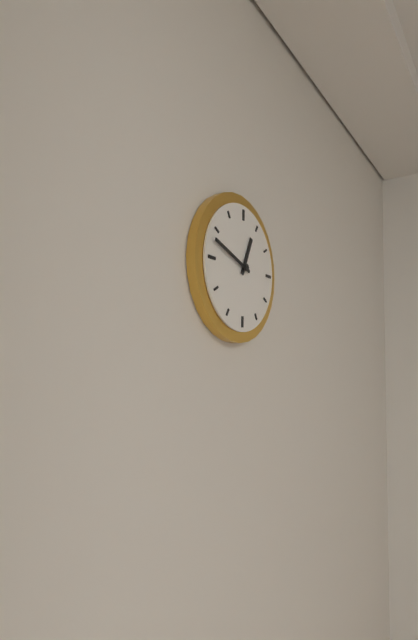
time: **12:48**
